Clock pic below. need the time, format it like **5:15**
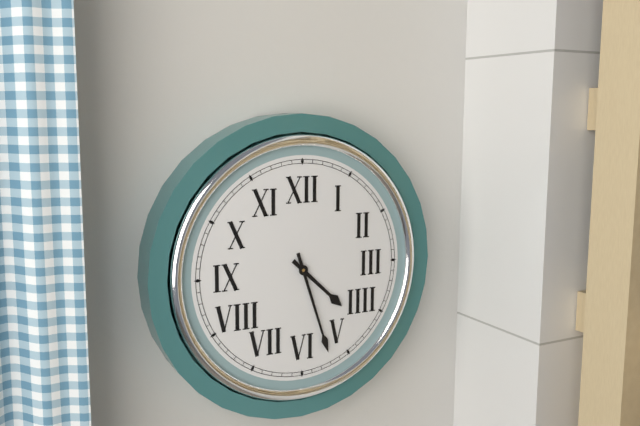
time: **4:27**
